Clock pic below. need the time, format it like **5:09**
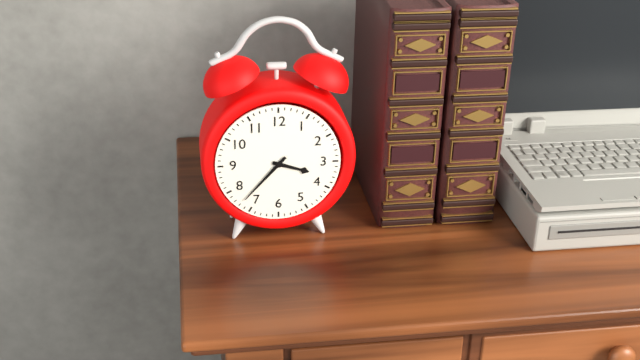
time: **3:37**
